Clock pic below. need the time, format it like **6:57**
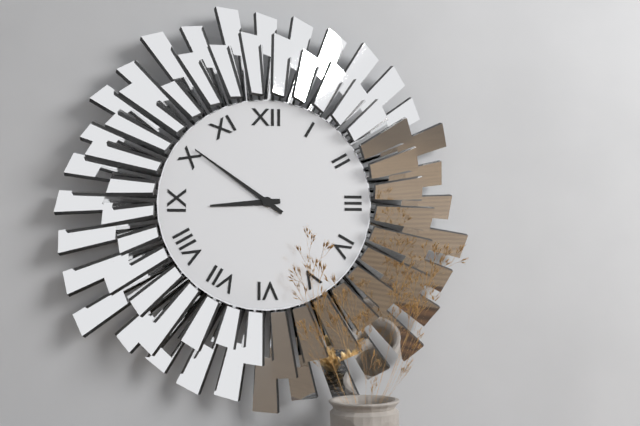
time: **8:51**
